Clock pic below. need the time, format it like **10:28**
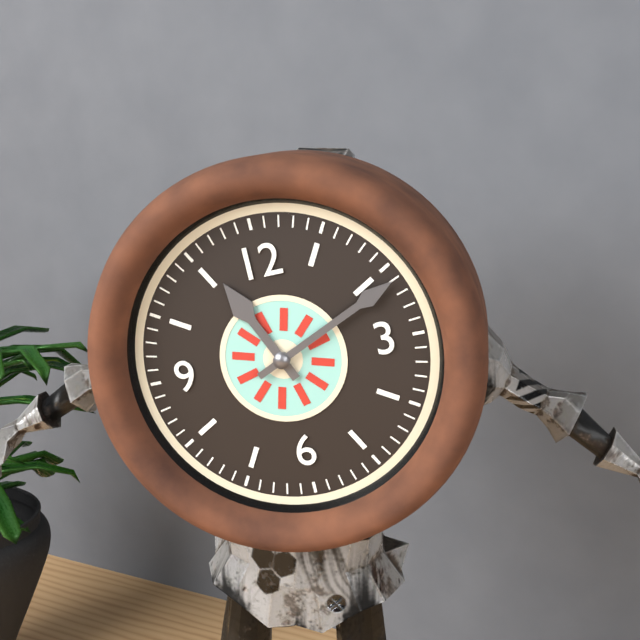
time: **11:11**
